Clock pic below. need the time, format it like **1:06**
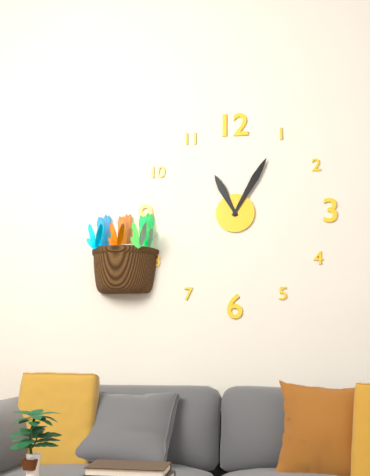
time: **11:05**
